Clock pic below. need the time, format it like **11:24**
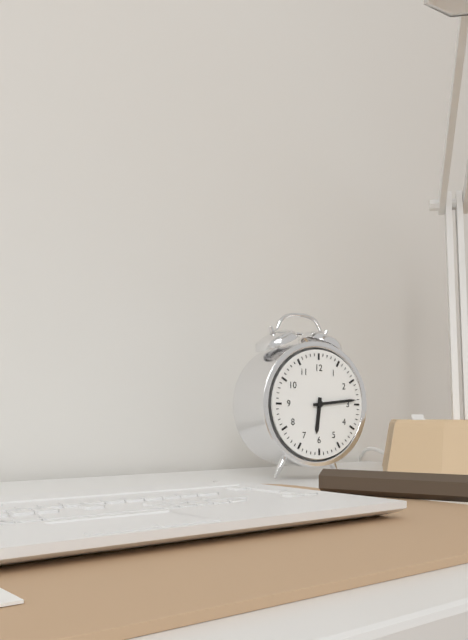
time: **6:14**
